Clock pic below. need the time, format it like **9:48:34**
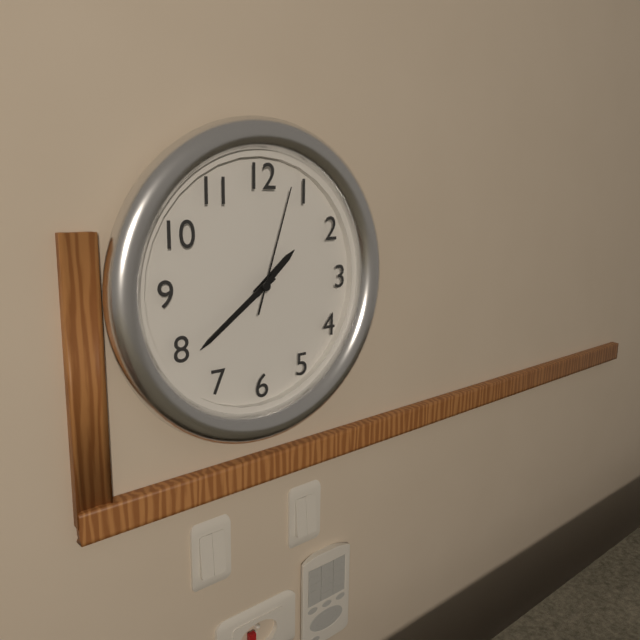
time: **1:39:03**
